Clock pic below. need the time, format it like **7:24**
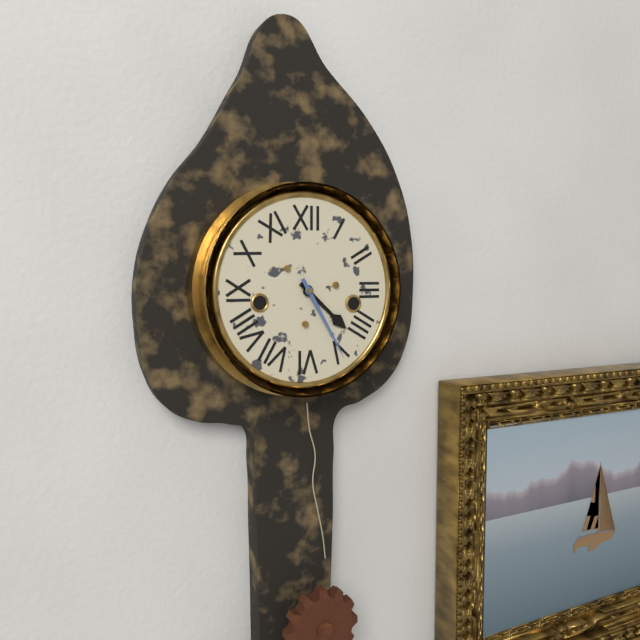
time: **4:25**
